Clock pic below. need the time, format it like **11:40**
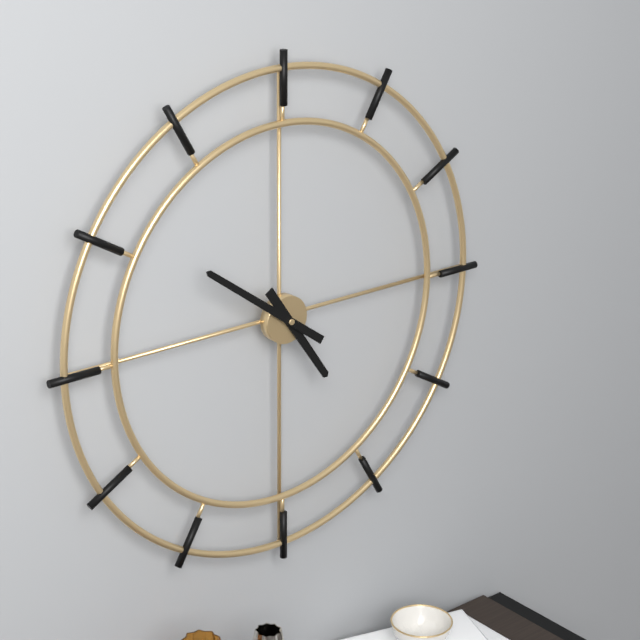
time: **4:51**
